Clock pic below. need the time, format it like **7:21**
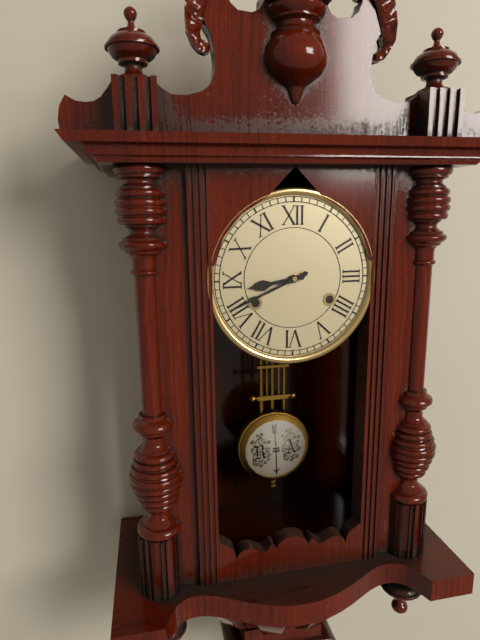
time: **8:41**
